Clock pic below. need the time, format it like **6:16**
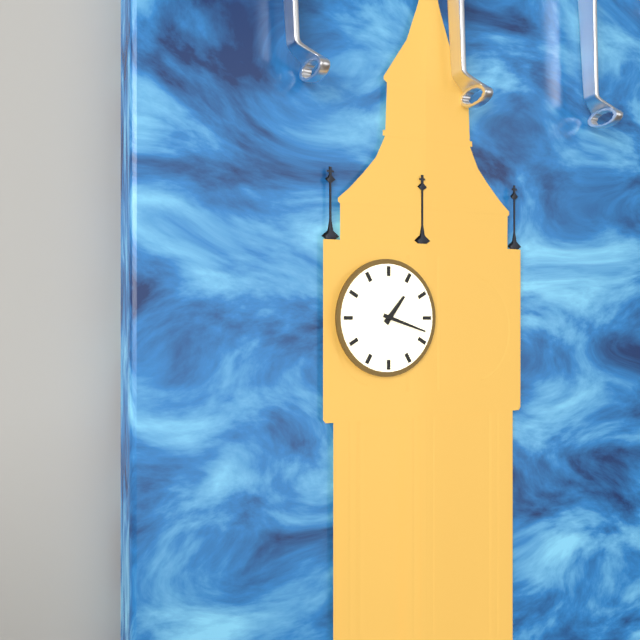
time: **1:18**
